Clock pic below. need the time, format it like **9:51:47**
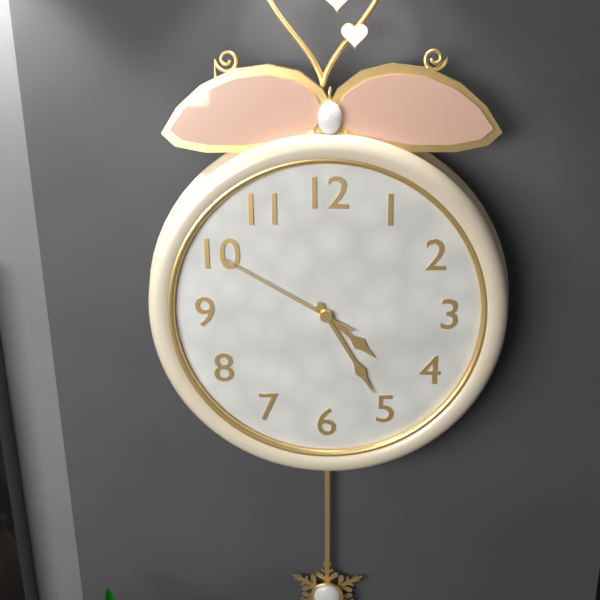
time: **4:25:50**
